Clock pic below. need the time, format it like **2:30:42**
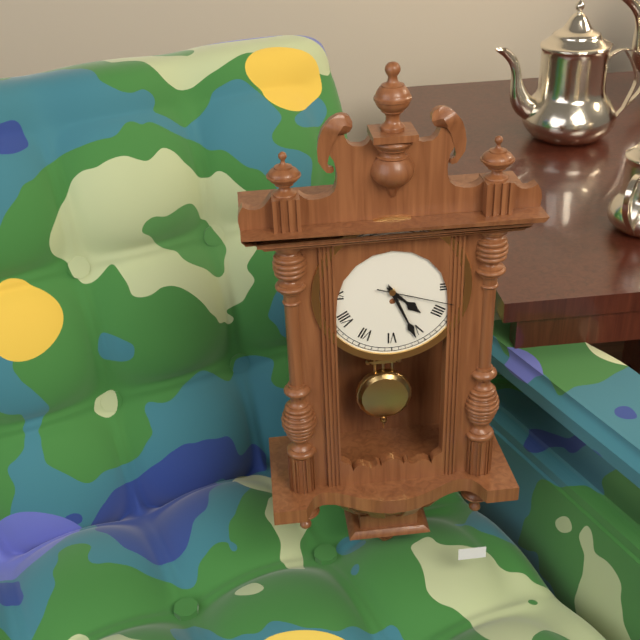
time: **4:26:18**
